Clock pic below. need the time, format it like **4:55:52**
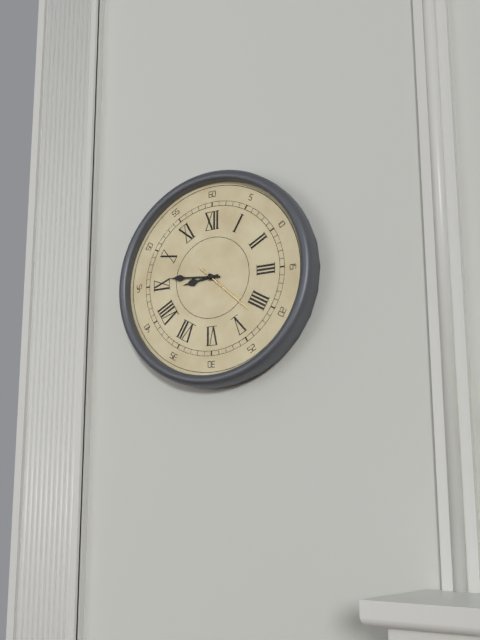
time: **8:46:22**
